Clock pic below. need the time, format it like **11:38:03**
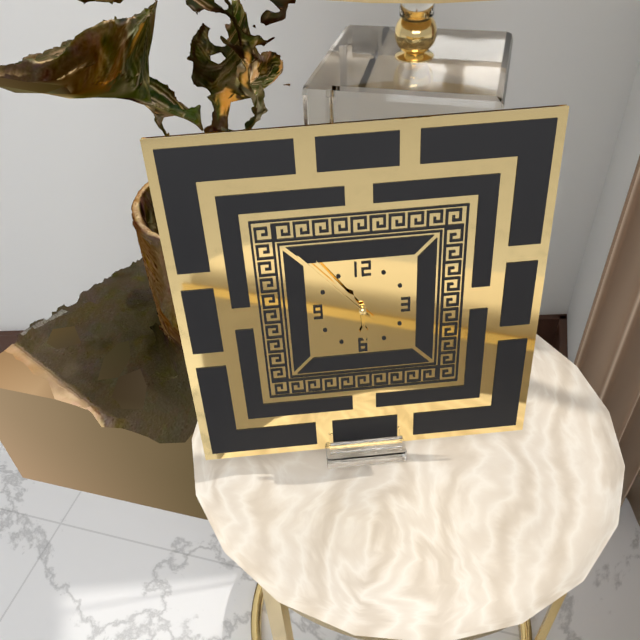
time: **5:54:53**
